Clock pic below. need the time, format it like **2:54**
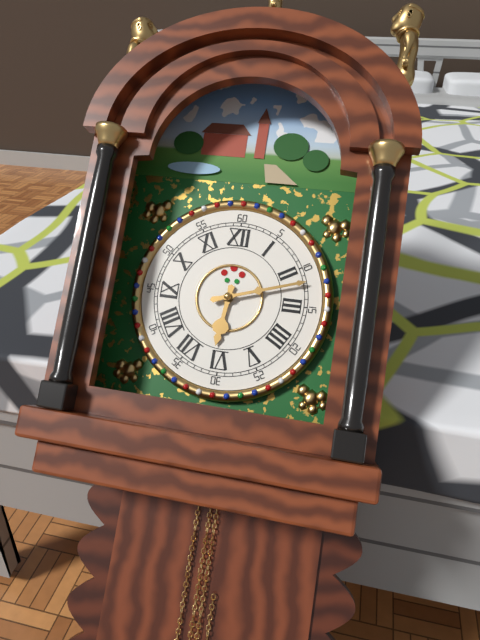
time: **6:12**
